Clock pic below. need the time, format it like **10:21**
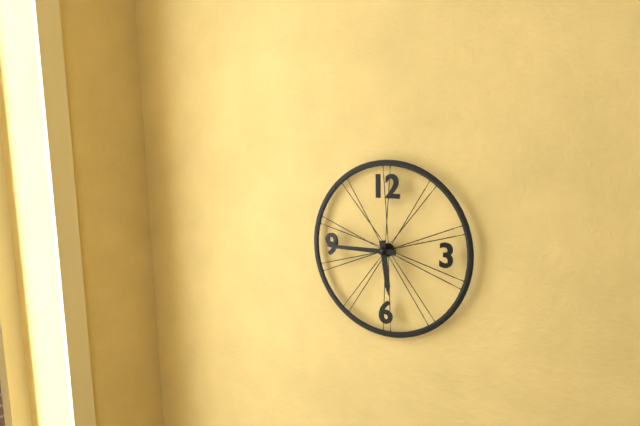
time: **5:45**
